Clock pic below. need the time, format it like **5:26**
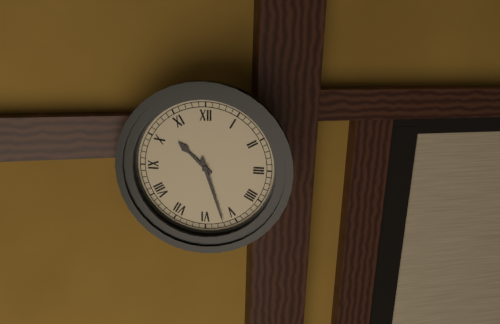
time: **10:27**
